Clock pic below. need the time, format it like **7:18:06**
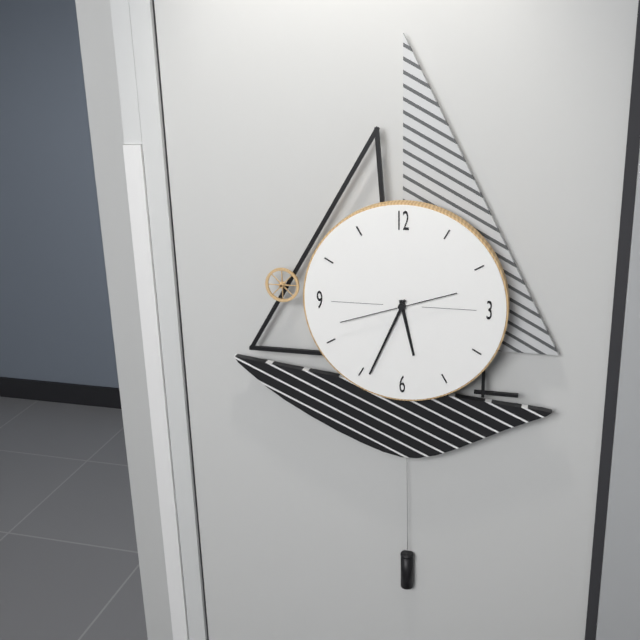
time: **5:34:42**
